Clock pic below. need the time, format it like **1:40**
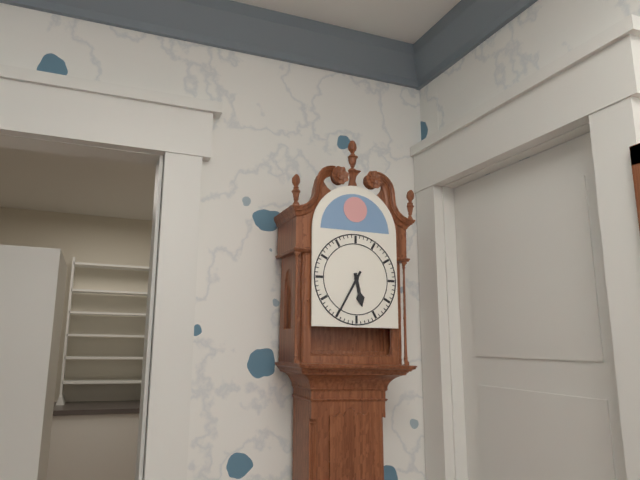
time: **5:35**
